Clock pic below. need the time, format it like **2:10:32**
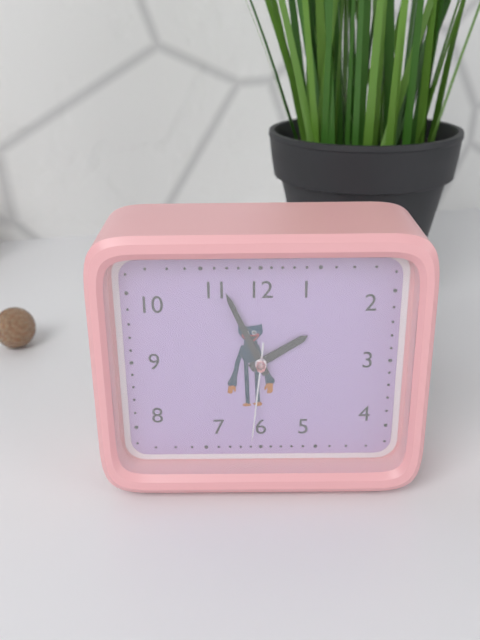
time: **1:56:31**
